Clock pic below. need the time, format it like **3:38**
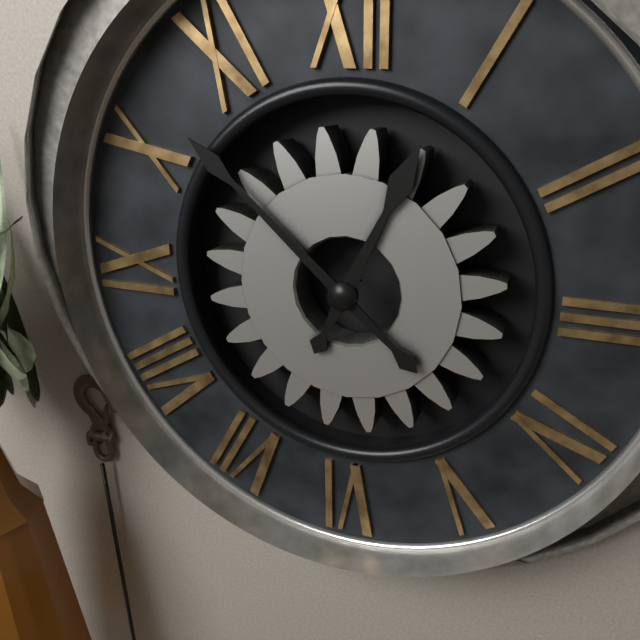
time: **12:52**
